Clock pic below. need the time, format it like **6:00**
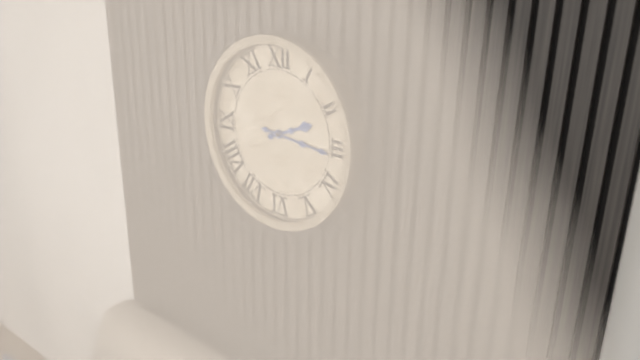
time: **2:16**
